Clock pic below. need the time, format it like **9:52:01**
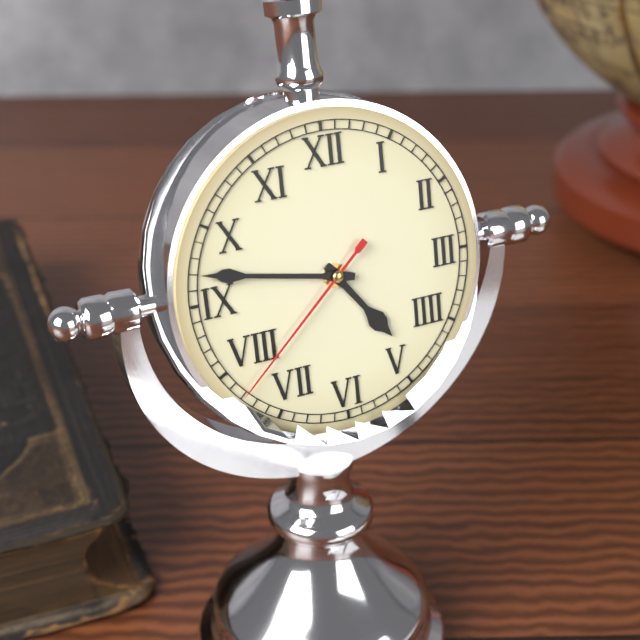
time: **4:47:38**
